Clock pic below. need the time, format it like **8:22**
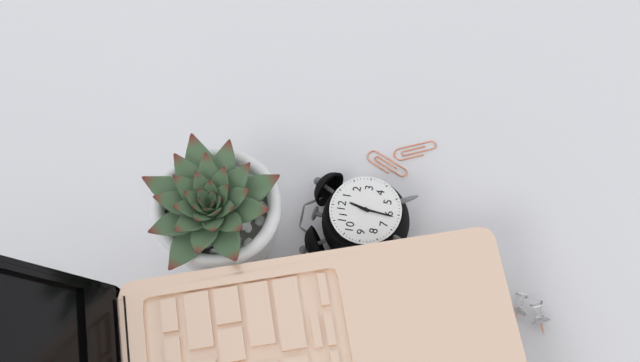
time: **12:31**
